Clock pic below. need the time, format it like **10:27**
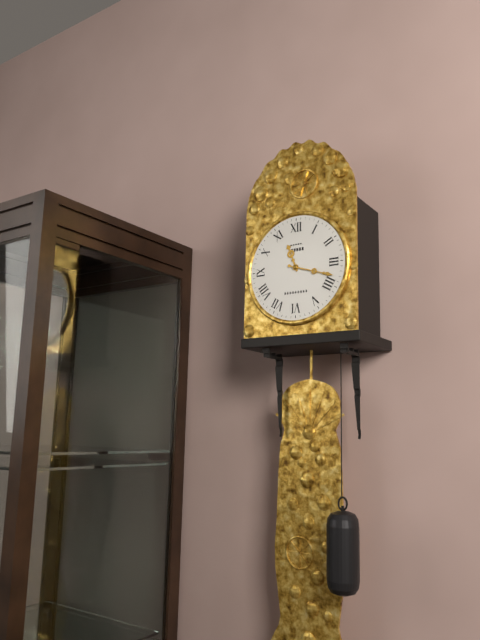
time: **11:18**
